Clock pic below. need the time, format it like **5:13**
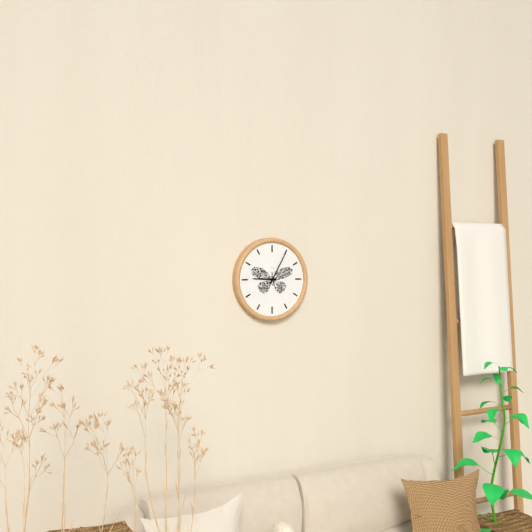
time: **9:05**
